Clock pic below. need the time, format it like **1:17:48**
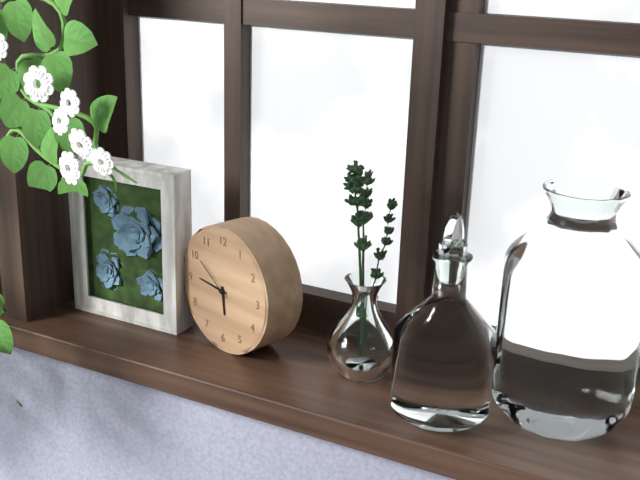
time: **5:46:51**
